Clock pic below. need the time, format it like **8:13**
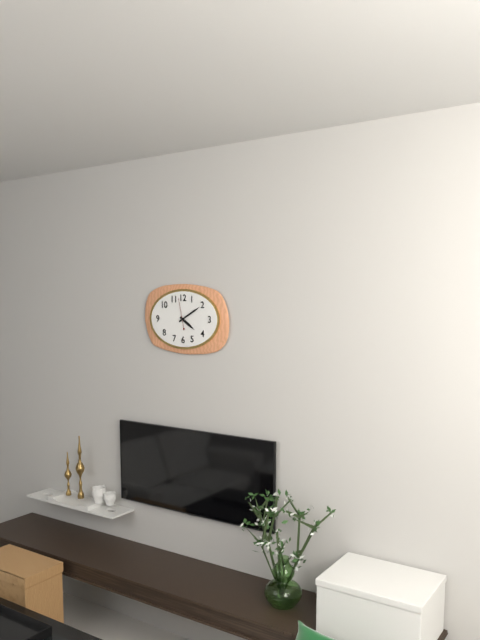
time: **4:10**
